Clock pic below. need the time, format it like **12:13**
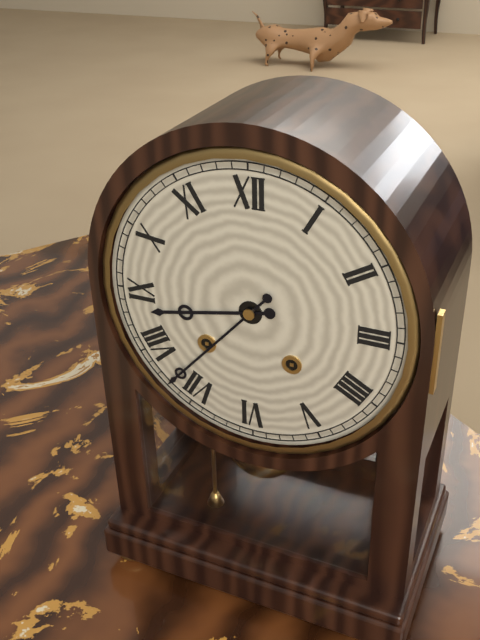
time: **8:37**
